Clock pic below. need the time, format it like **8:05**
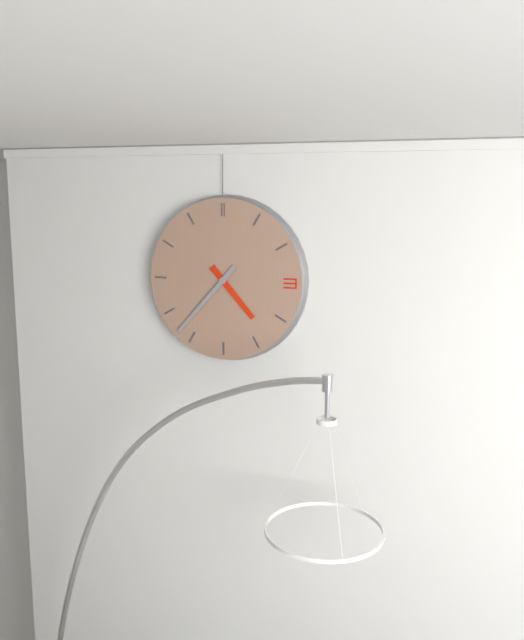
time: **4:37**
